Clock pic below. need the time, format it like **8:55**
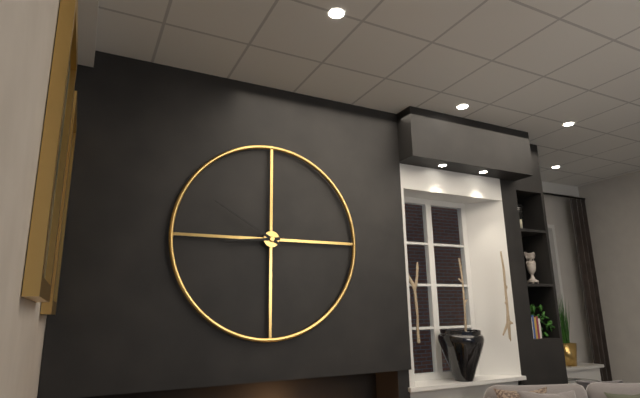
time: **8:50**
